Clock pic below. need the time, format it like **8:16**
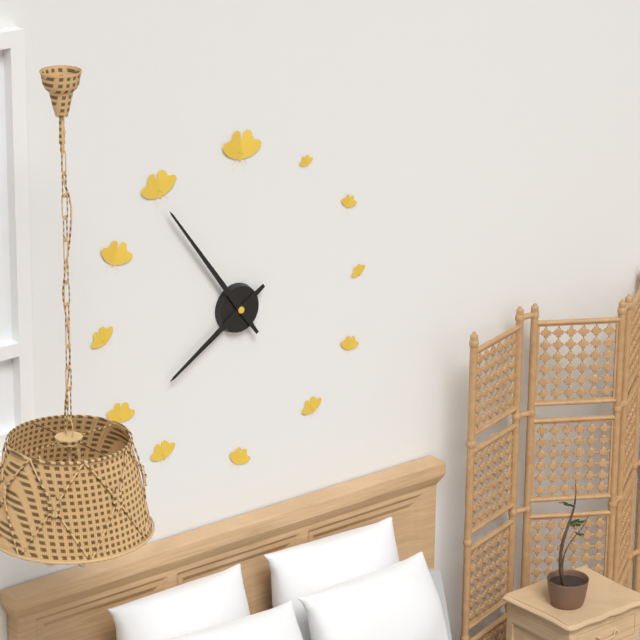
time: **7:54**
